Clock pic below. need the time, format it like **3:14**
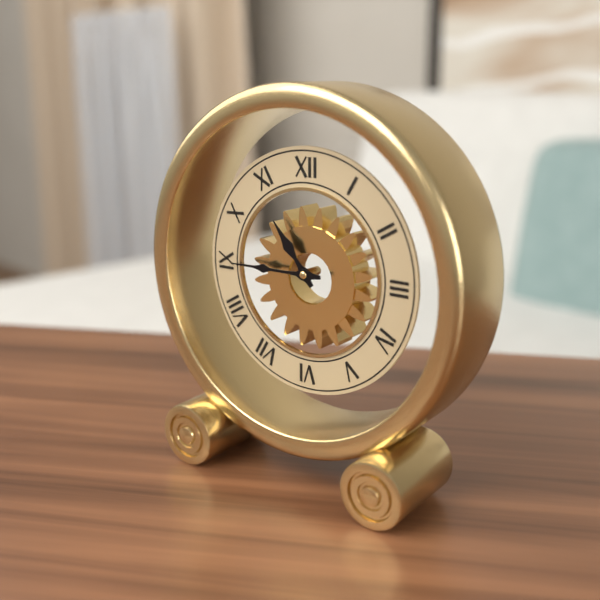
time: **10:45**
